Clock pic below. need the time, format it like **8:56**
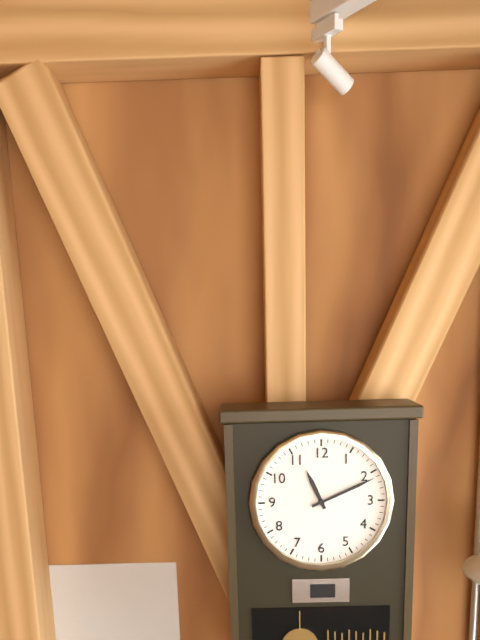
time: **11:11**
